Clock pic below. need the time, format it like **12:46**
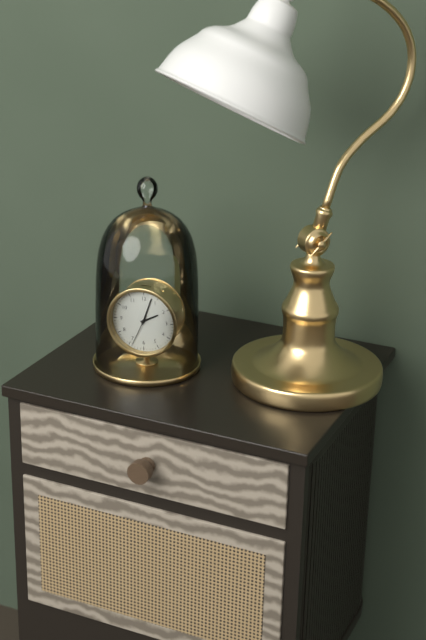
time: **2:03**
